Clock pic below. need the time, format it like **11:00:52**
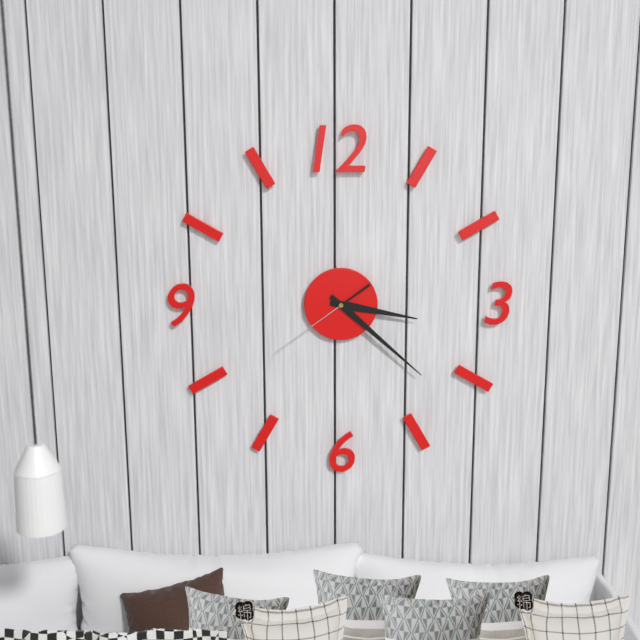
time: **3:22:39**
